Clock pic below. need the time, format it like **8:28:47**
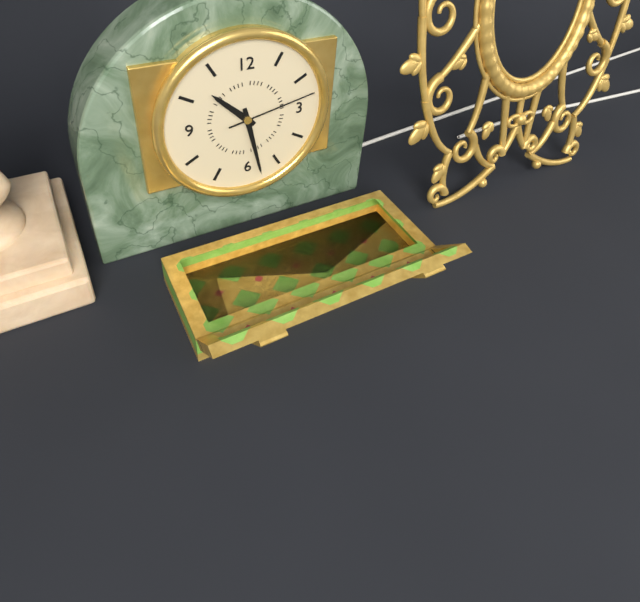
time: **10:28:13**
